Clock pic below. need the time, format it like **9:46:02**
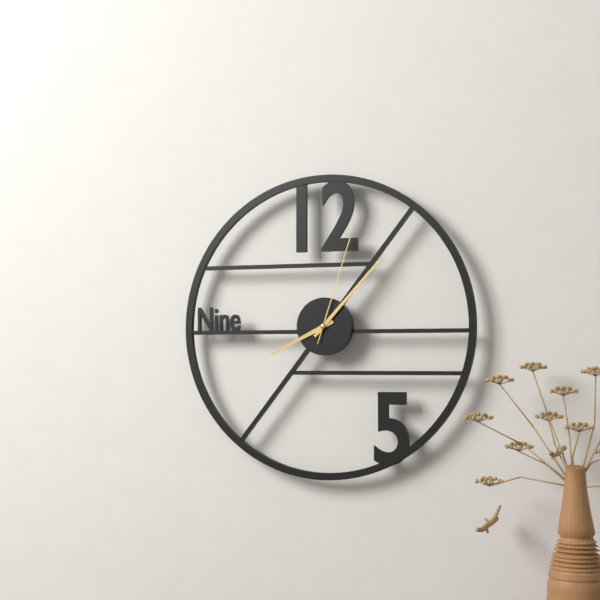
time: **8:07:03**
